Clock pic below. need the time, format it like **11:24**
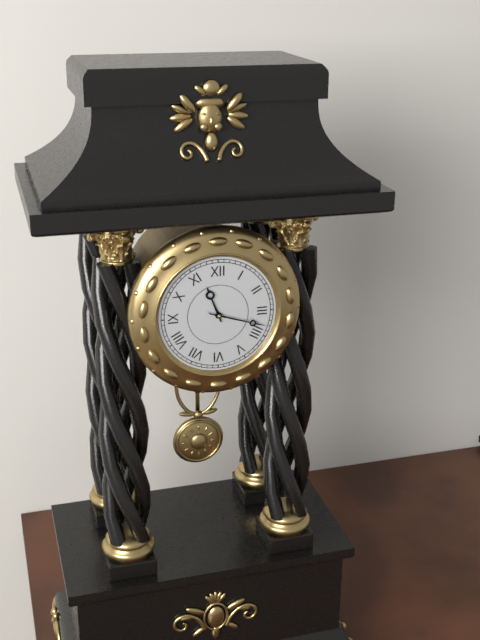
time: **11:18**
